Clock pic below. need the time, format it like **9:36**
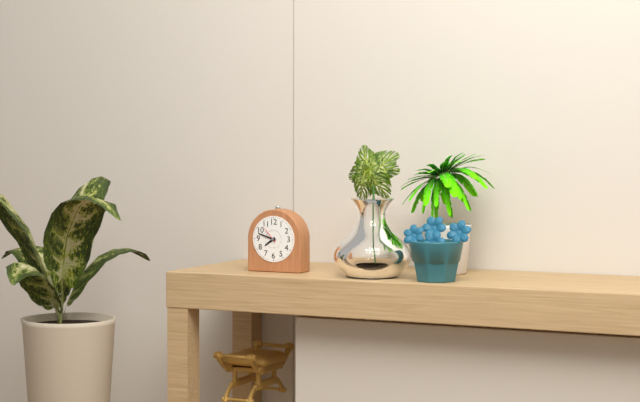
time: **7:48**
